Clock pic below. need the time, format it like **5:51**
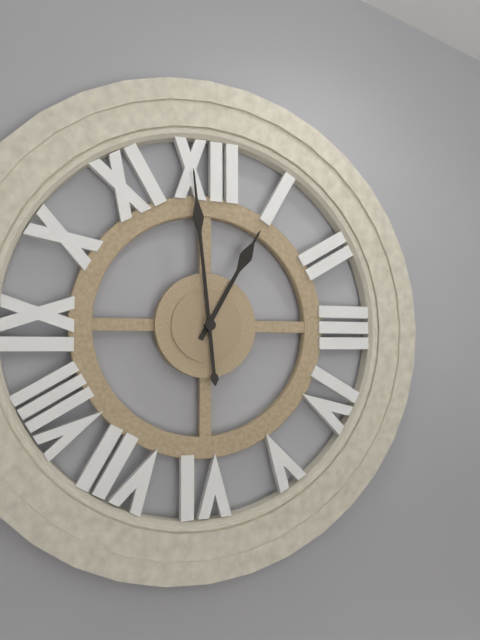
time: **12:59**
